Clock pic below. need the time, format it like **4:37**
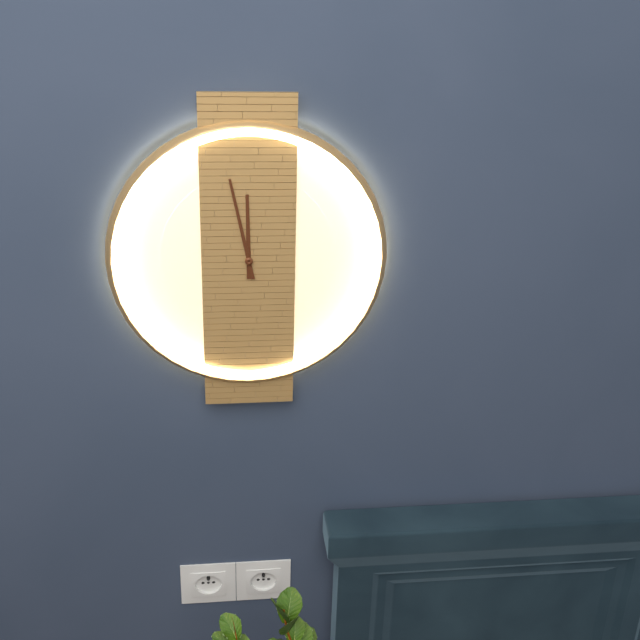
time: **11:58**
